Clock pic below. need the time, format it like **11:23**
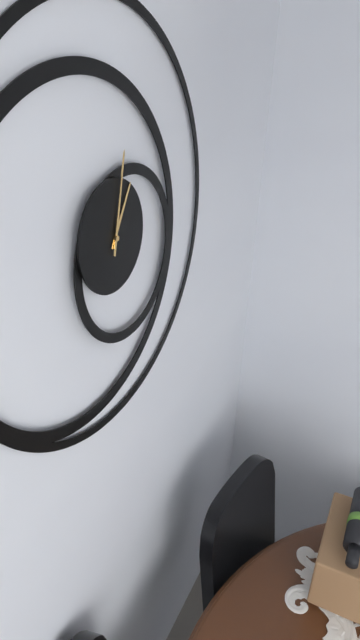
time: **1:02**
